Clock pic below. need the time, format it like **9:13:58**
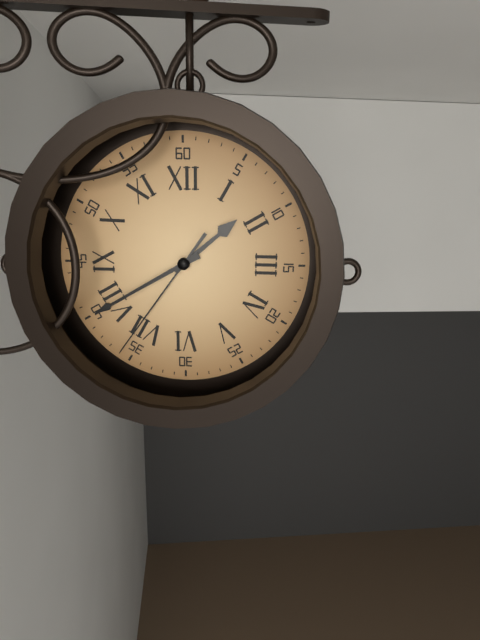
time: **1:40:36**
